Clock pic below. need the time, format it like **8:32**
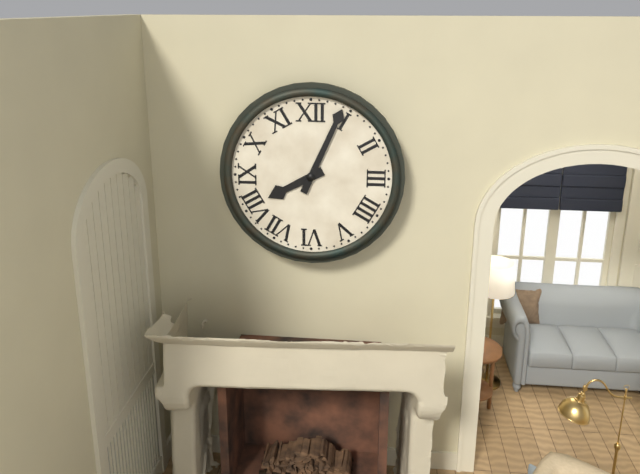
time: **8:04**
